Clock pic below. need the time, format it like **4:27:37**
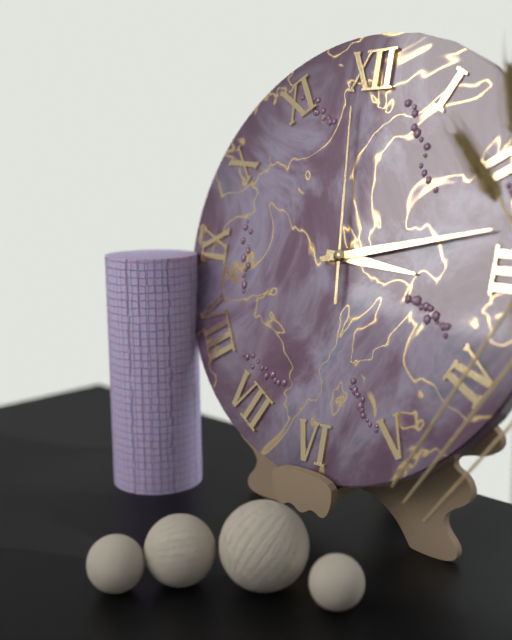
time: **3:13:59**
